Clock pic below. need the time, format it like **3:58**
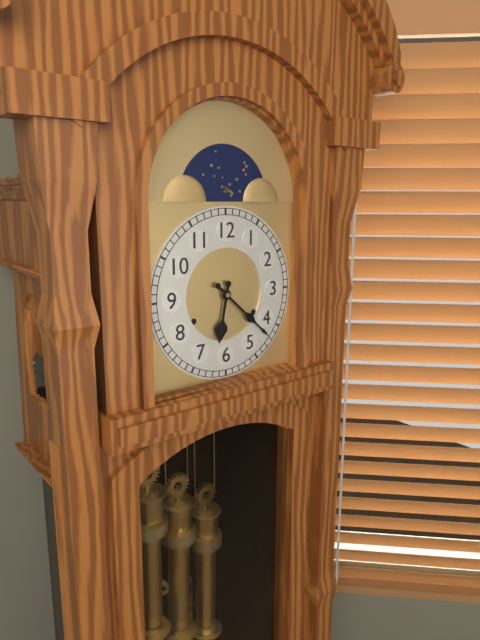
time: **6:22**
